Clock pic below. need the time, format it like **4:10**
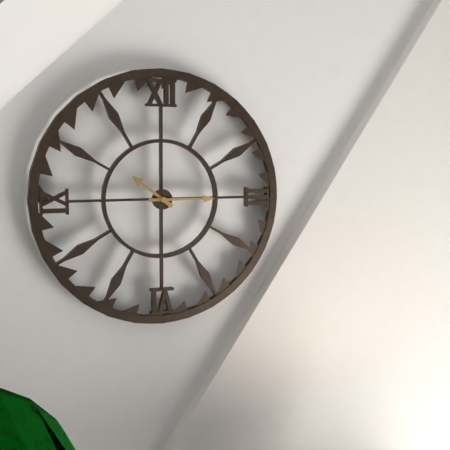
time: **10:15**
